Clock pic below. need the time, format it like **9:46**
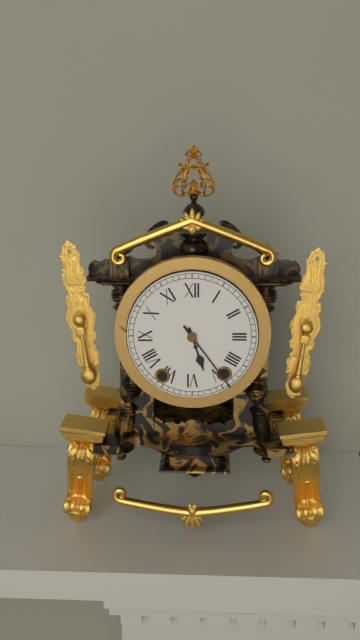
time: **5:24**
